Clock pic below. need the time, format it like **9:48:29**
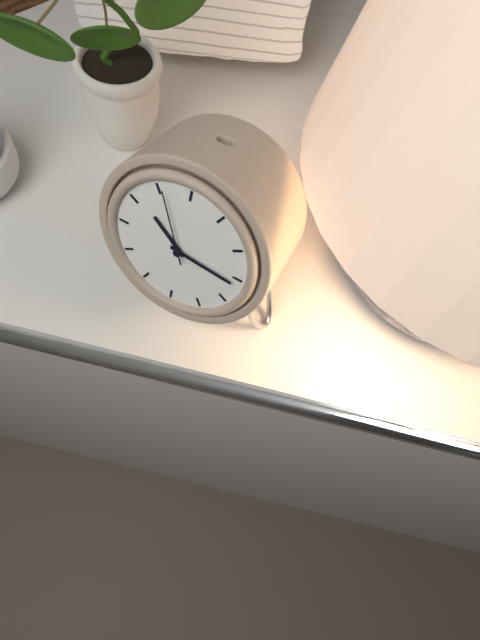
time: **10:16:56**
